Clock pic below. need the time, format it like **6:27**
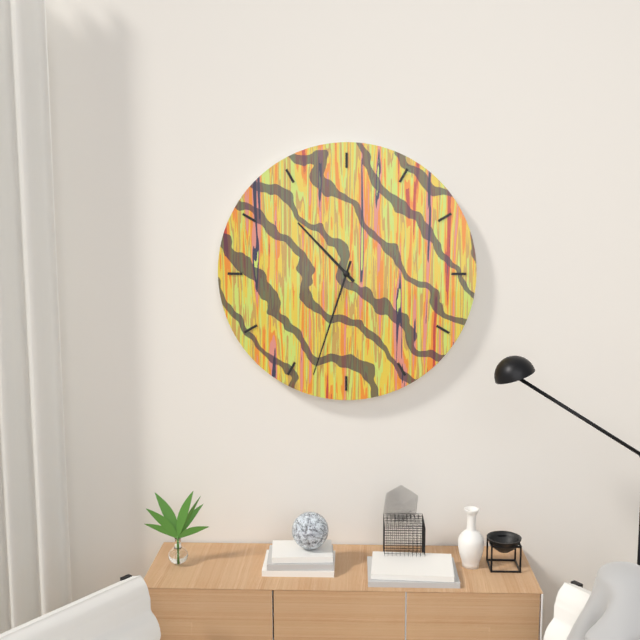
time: **10:33**
